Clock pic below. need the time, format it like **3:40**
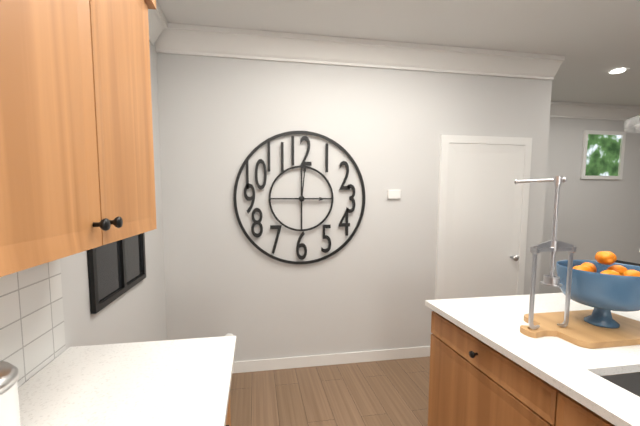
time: **3:01**
